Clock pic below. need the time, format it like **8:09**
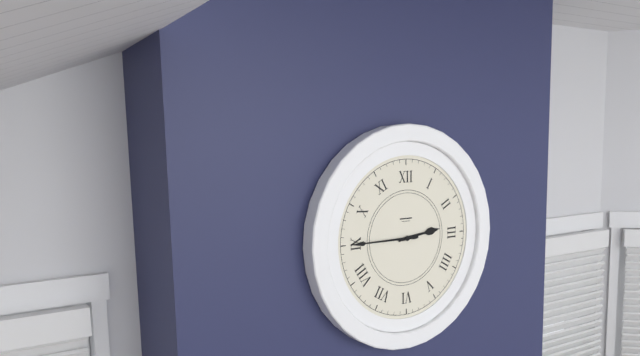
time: **2:45**
